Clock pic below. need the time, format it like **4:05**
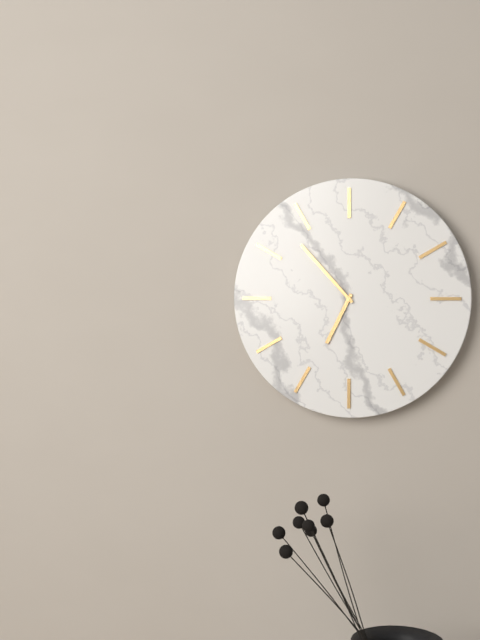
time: **6:53**
